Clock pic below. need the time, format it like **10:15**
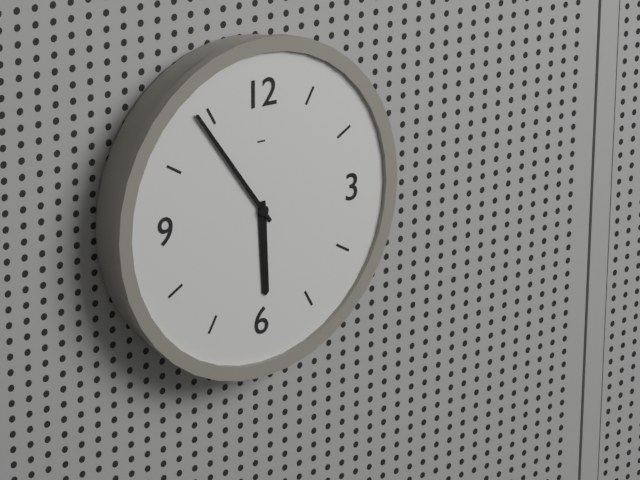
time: **5:54**
